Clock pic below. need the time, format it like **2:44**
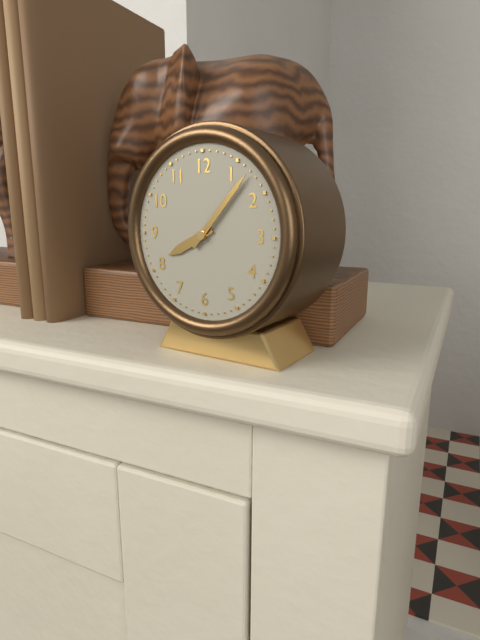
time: **8:07**
